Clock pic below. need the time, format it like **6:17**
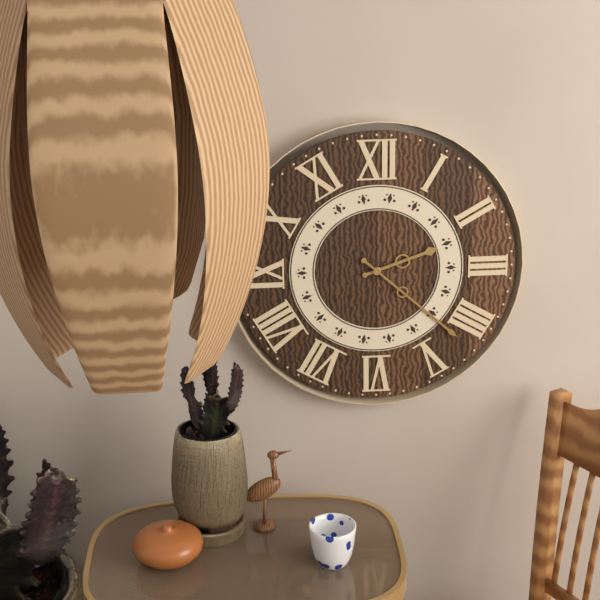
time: **2:22**
